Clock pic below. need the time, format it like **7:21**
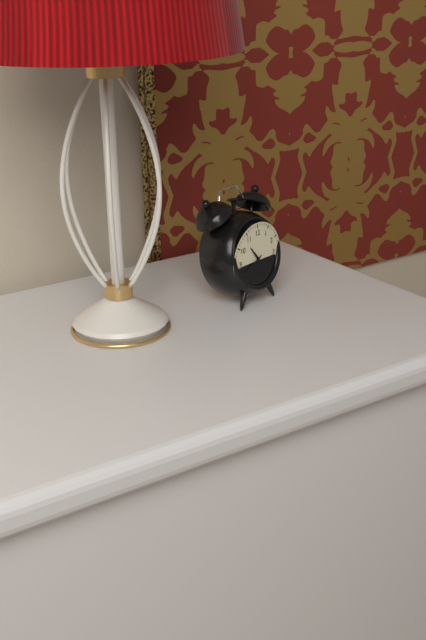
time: **10:41**
